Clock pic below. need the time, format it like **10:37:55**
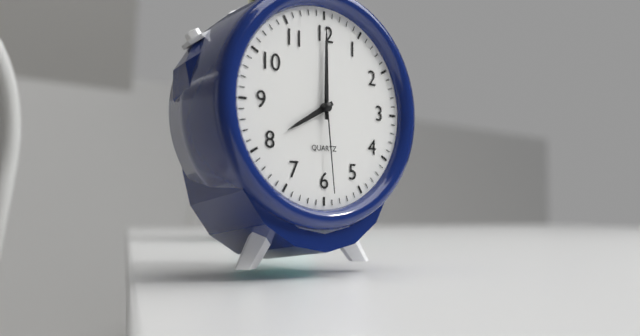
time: **8:00:29**
